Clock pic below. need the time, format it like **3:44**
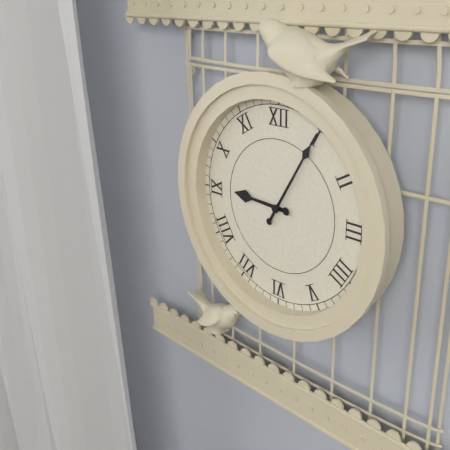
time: **9:05**
